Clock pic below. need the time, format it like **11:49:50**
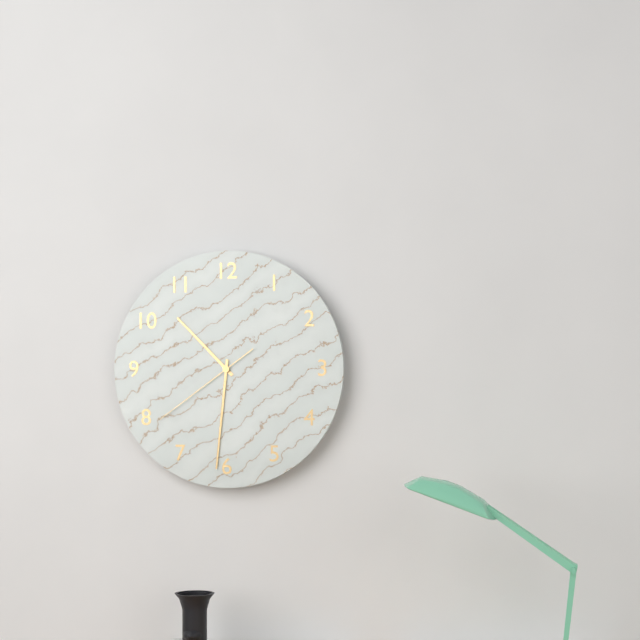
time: **10:31:39**
